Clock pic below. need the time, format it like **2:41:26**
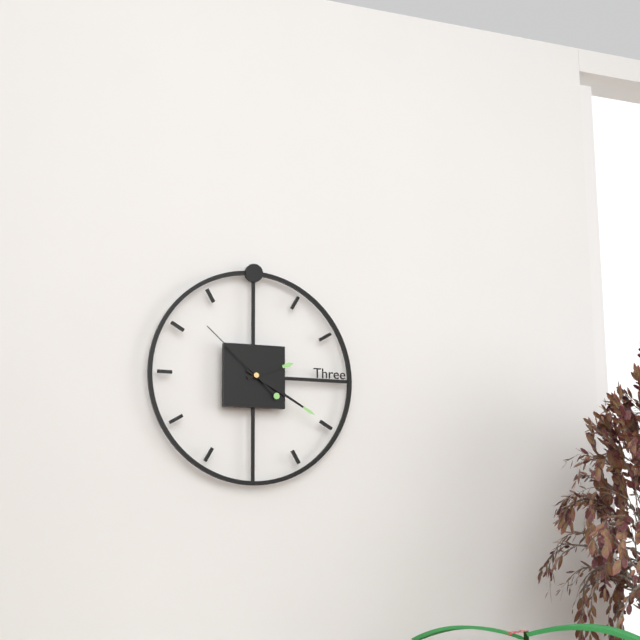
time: **2:20:52**
